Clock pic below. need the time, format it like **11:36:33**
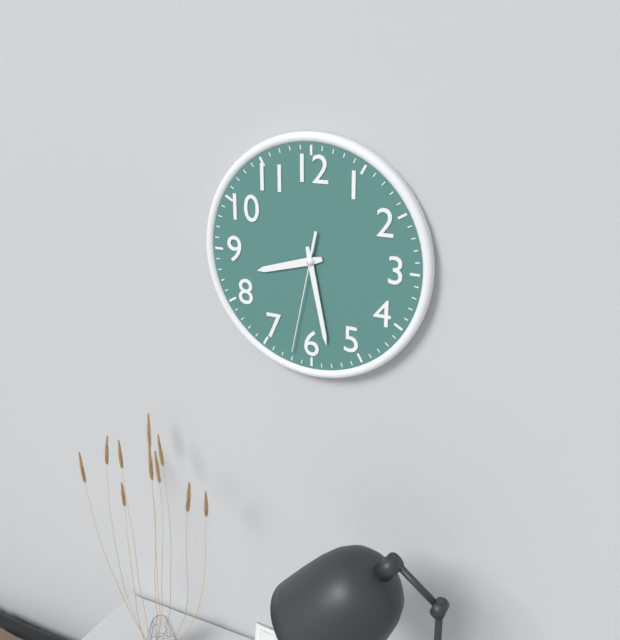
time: **8:28:32**
